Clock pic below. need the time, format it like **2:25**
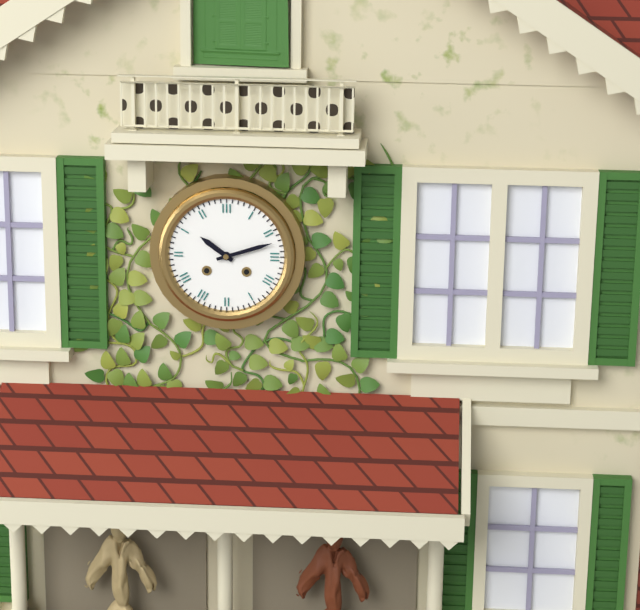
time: **10:12**
